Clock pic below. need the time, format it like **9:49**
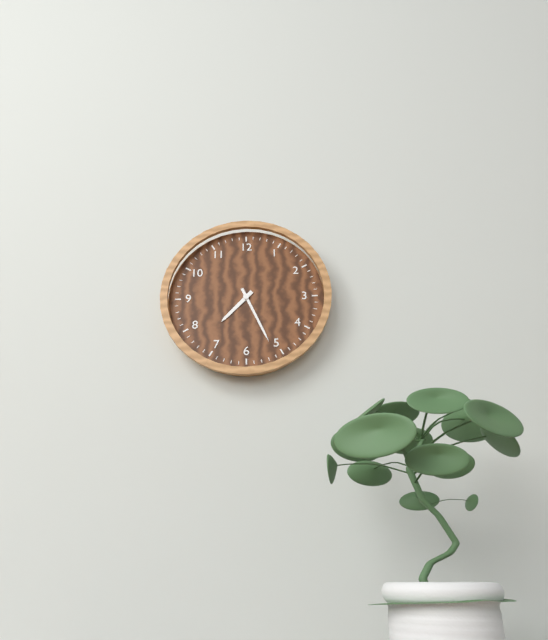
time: **7:26**
